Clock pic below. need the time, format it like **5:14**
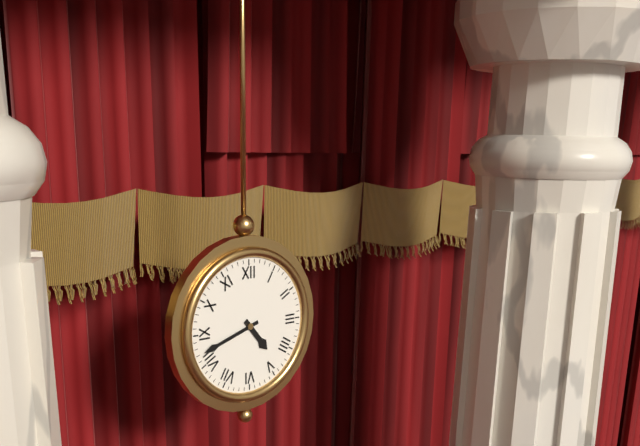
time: **4:42**
